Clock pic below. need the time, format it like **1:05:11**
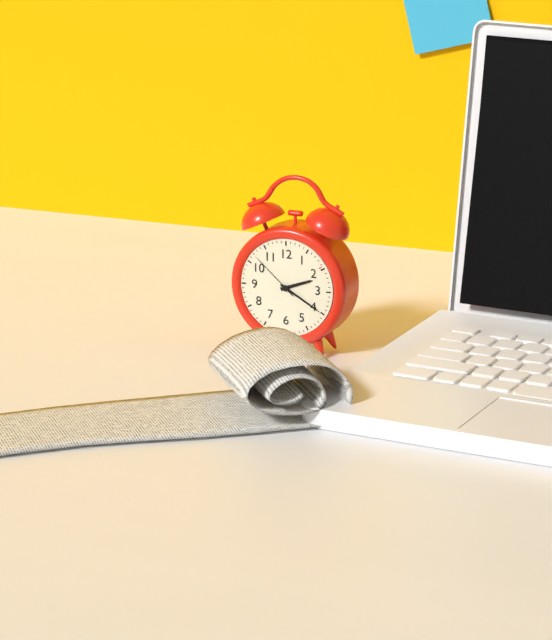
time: **2:20:52**
